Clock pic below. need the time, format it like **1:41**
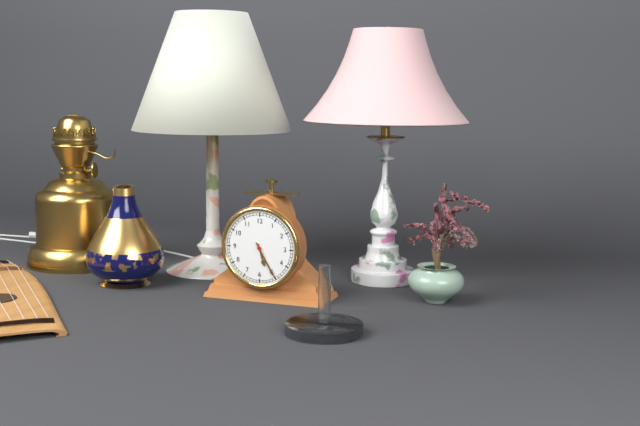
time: **5:25**
